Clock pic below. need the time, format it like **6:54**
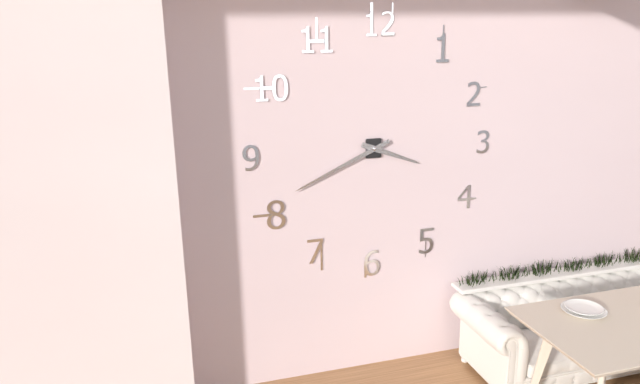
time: **3:41**
